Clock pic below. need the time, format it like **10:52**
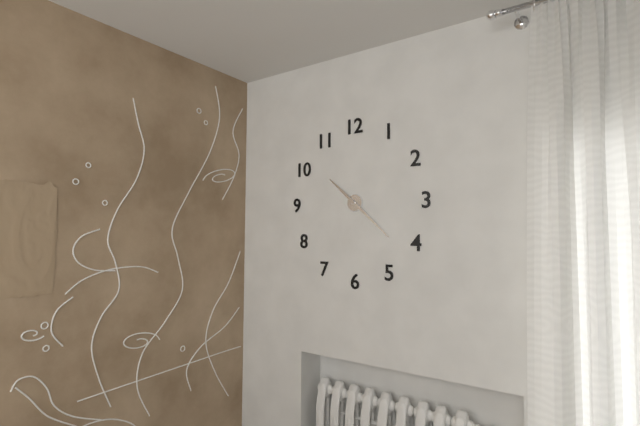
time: **10:22**
